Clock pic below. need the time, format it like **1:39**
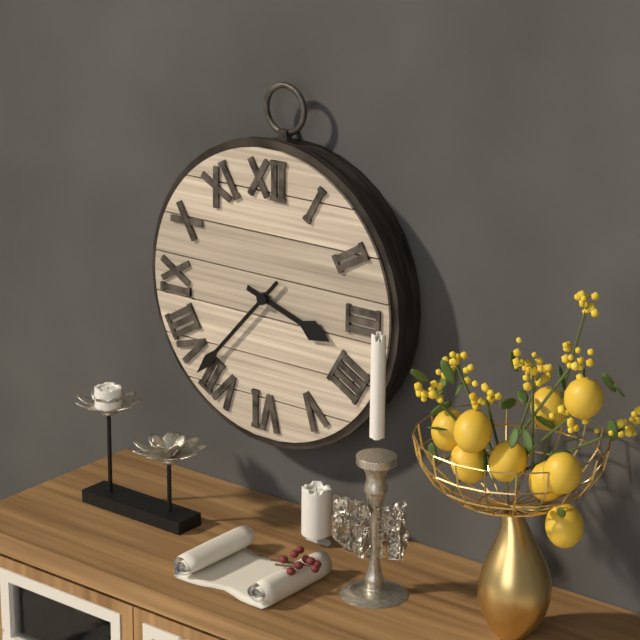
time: **3:37**
